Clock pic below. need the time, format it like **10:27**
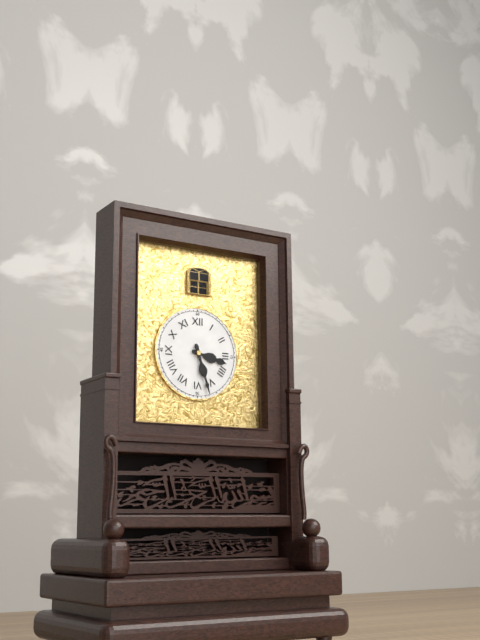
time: **3:27**
